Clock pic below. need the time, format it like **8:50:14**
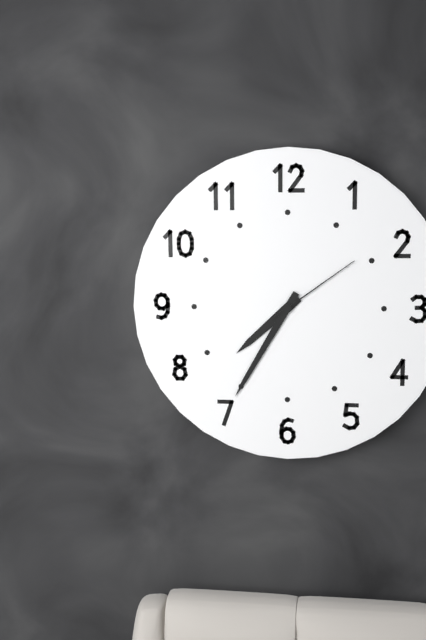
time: **7:35:09**
